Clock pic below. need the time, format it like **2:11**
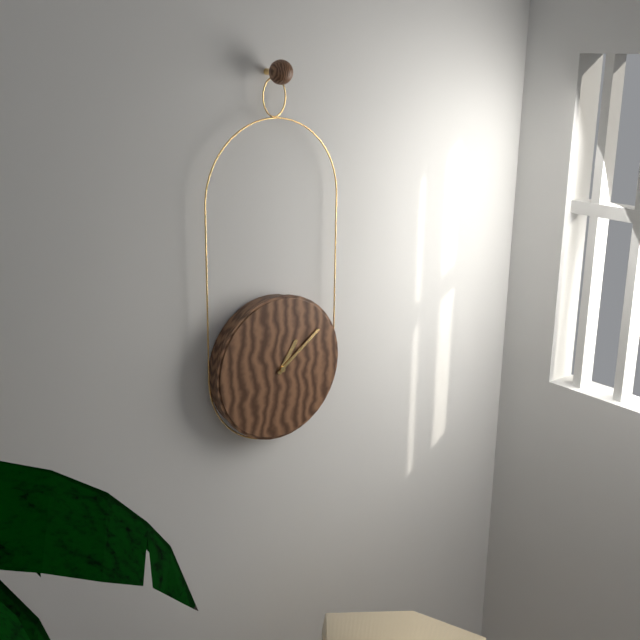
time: **1:09**
